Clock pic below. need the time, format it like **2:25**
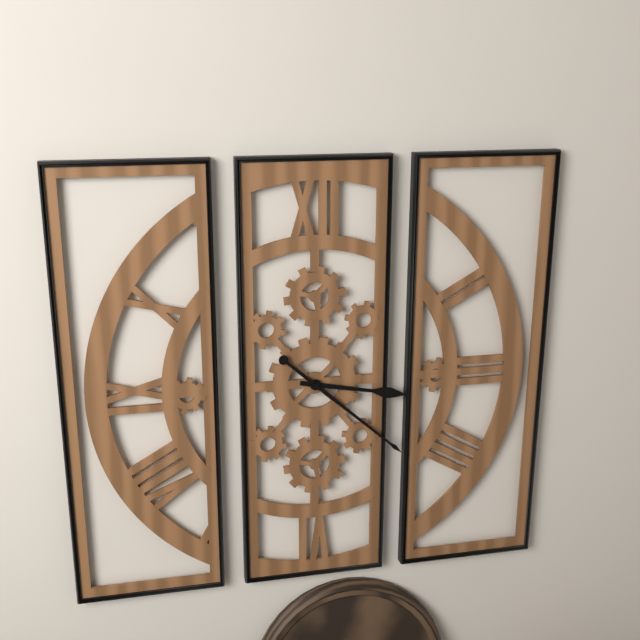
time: **3:22**
